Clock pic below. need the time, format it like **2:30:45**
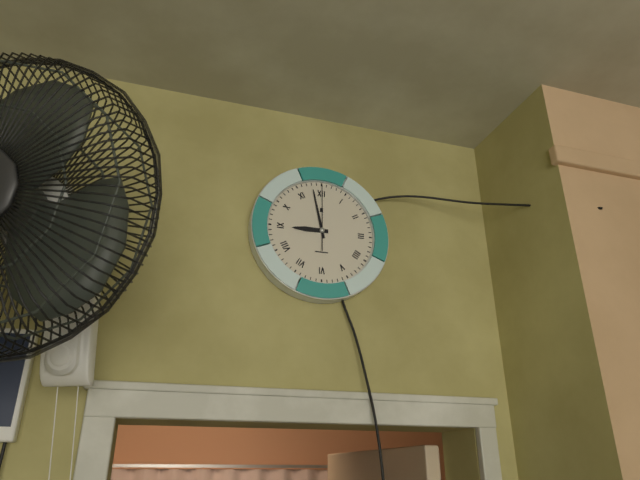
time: **8:58:00**
